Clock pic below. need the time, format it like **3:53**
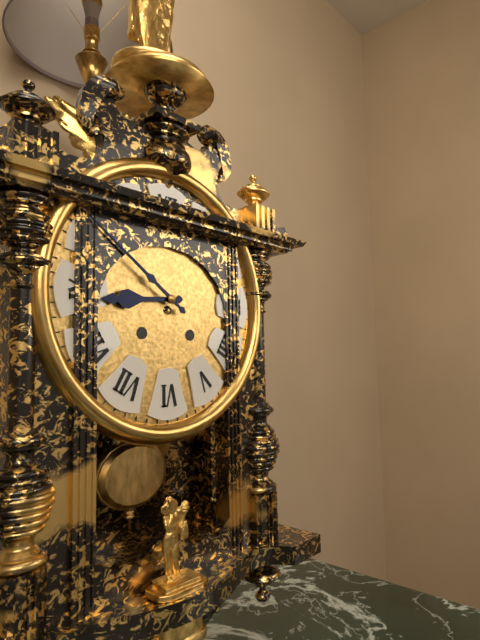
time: **8:51**
